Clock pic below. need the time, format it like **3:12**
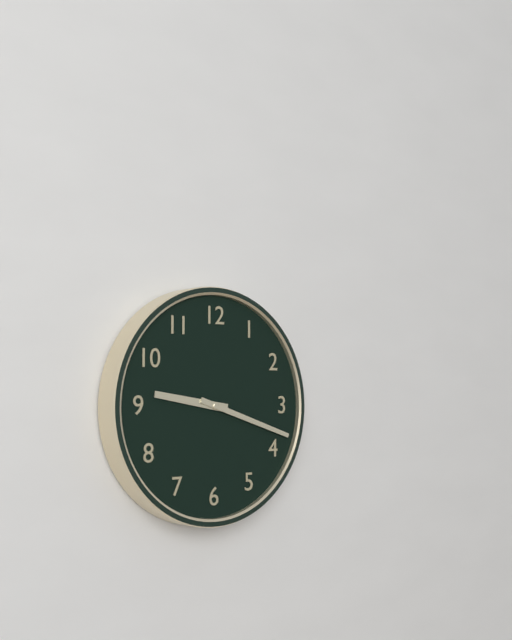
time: **9:18**
